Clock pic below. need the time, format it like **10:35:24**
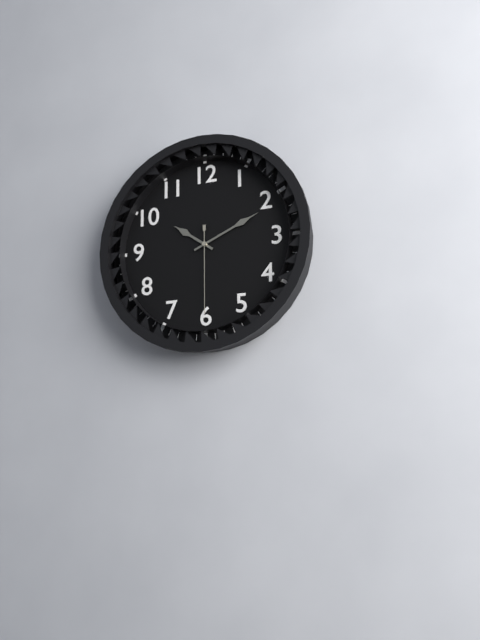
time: **10:11:30**
